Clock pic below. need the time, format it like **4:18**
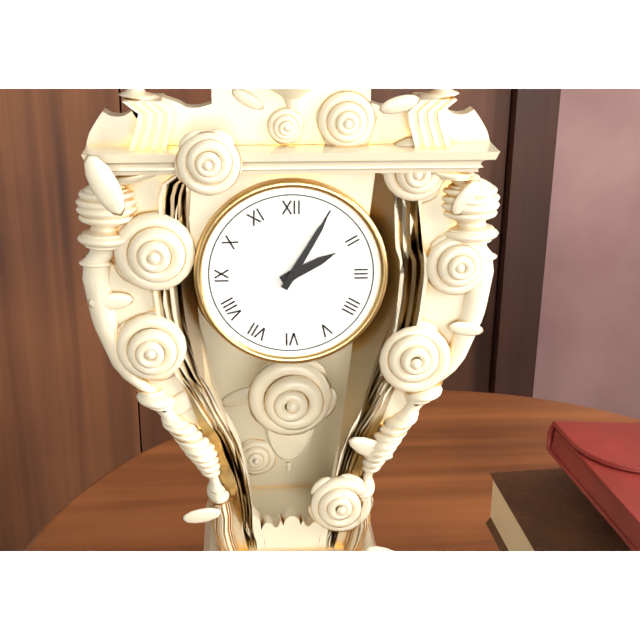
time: **2:05**
